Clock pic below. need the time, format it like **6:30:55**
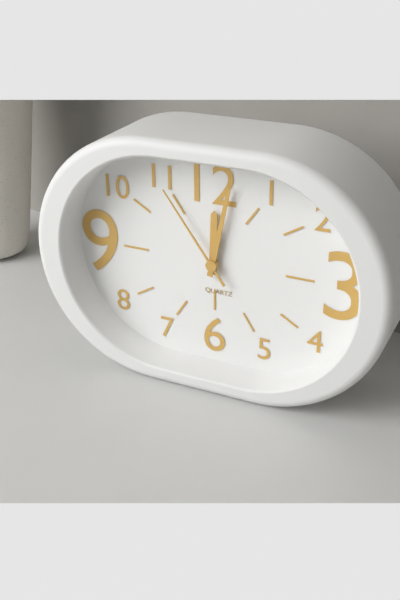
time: **12:02:54**
